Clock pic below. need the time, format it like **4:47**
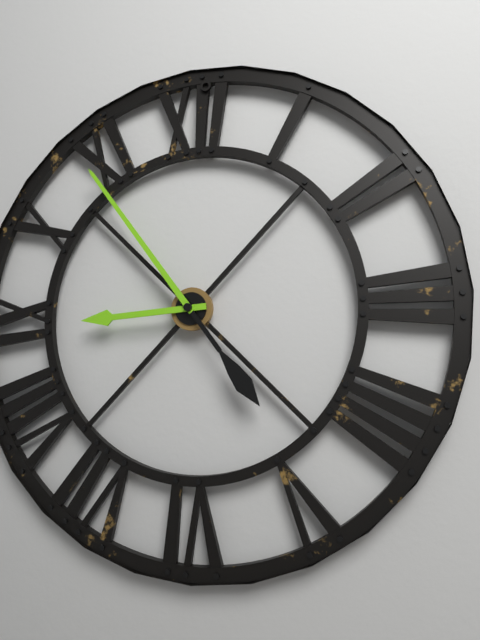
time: **8:54**
